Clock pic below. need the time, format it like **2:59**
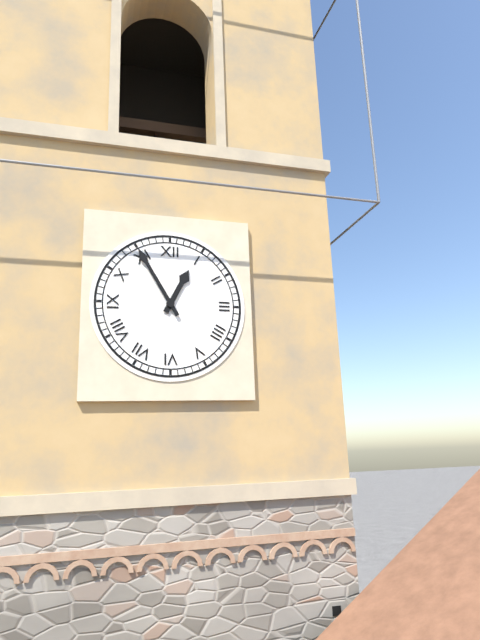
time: **12:55**
